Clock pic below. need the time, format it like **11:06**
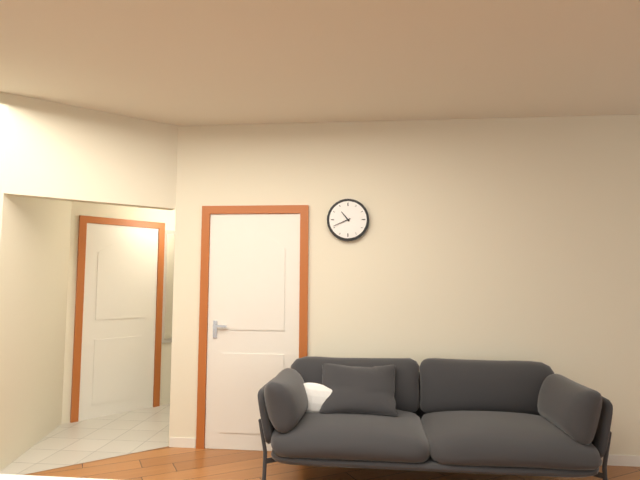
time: **10:41**
